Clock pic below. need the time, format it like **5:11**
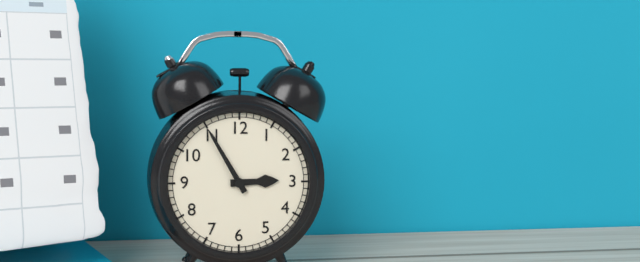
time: **2:55**
